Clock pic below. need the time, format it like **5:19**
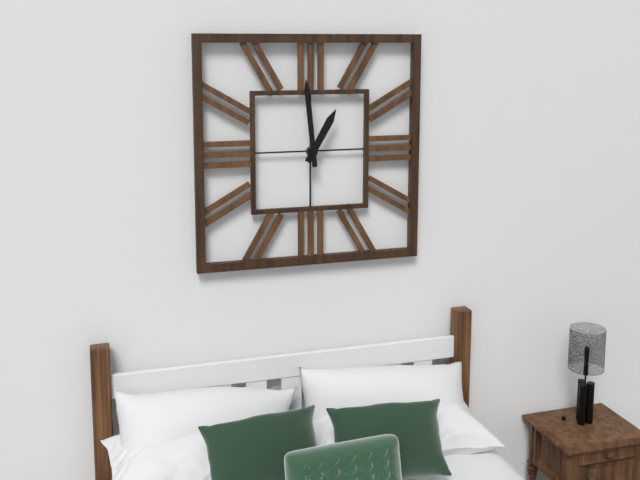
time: **12:59**
